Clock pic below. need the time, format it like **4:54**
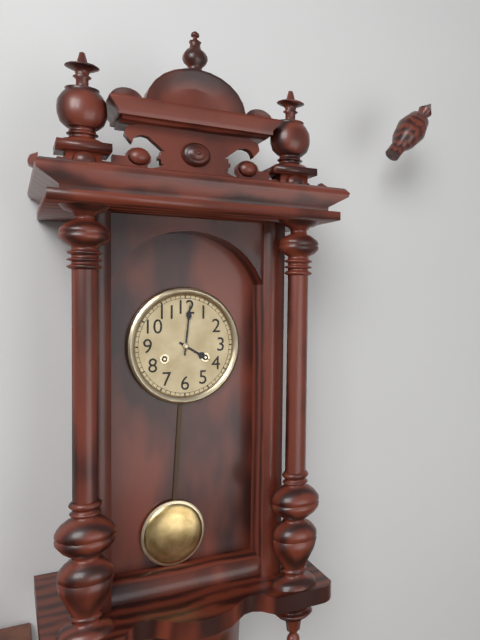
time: **4:01**
